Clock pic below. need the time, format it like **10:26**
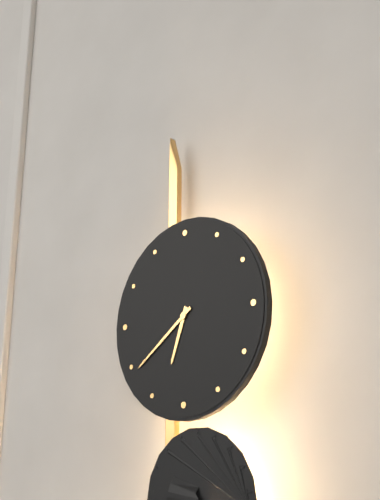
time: **6:39**
